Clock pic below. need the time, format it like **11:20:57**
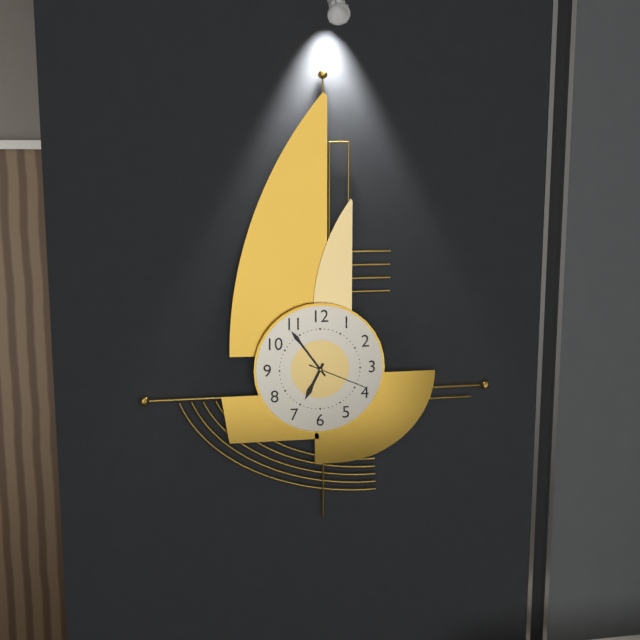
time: **6:54:19**
